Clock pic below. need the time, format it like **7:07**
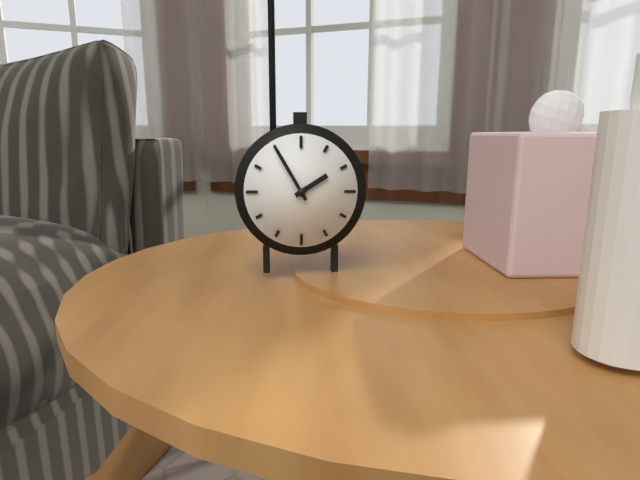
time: **1:55**
